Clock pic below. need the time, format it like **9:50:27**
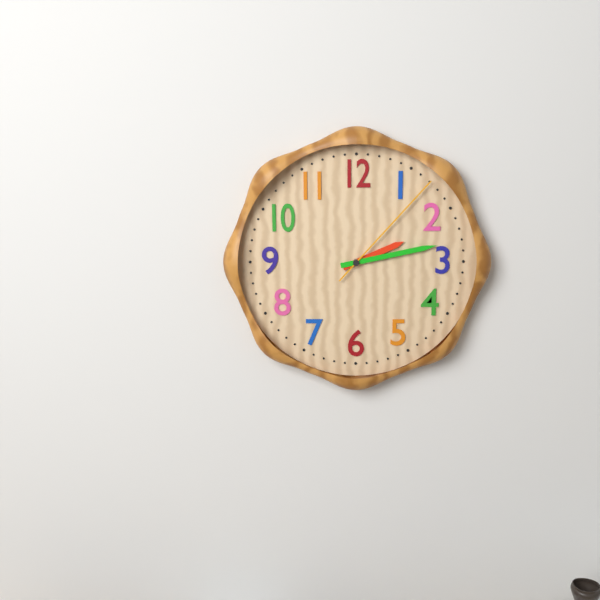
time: **2:13:07**
